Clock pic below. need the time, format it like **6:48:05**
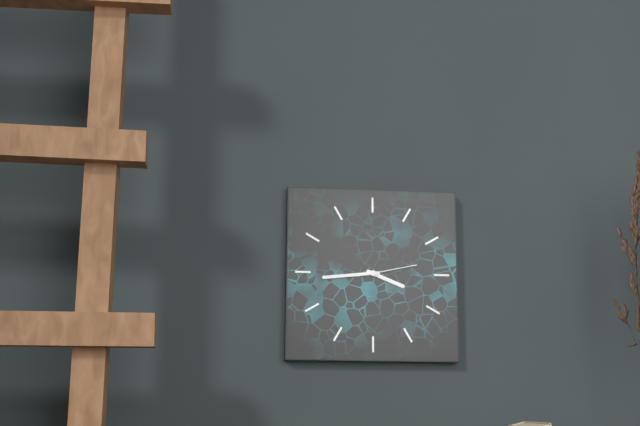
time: **3:44:13**
